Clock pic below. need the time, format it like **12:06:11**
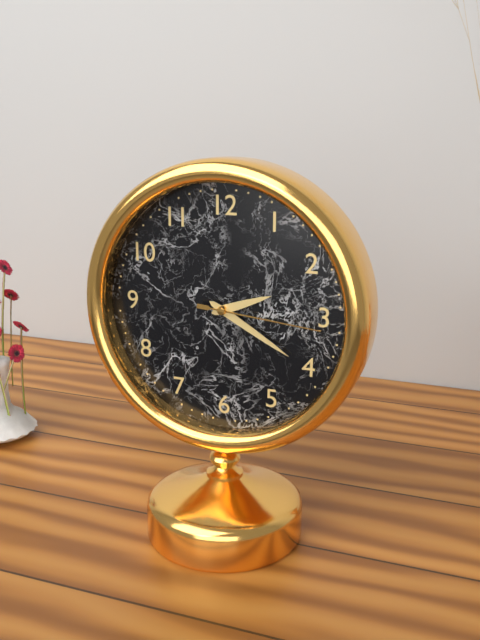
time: **2:20:16**
